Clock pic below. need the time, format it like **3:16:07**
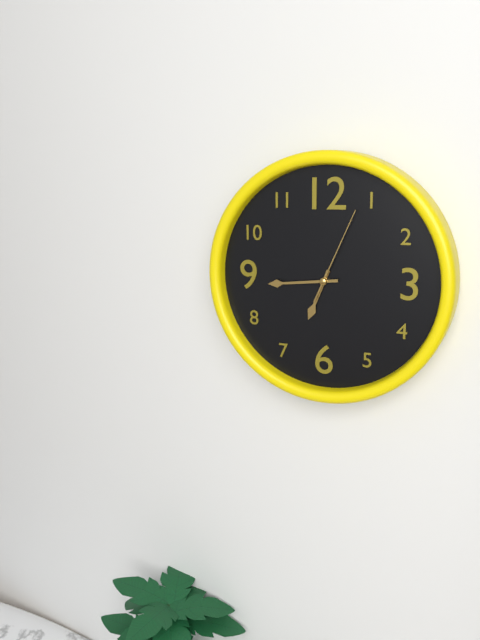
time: **6:44:04**
